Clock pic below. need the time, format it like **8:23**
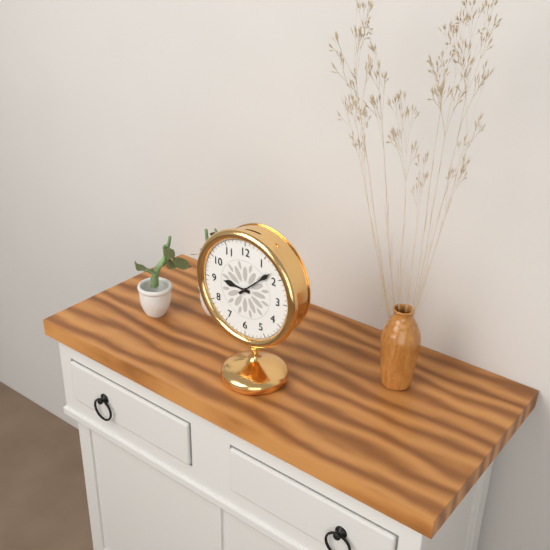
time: **9:08**
